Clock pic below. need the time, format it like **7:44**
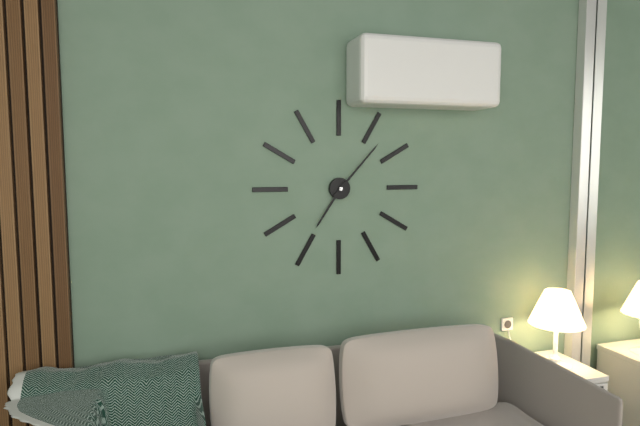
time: **7:07**
